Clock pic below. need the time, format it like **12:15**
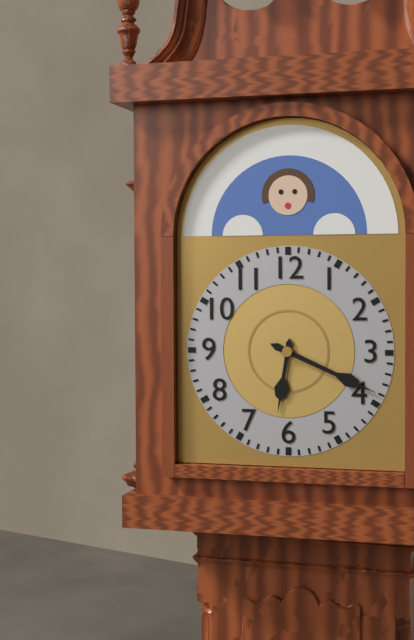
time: **6:19**
